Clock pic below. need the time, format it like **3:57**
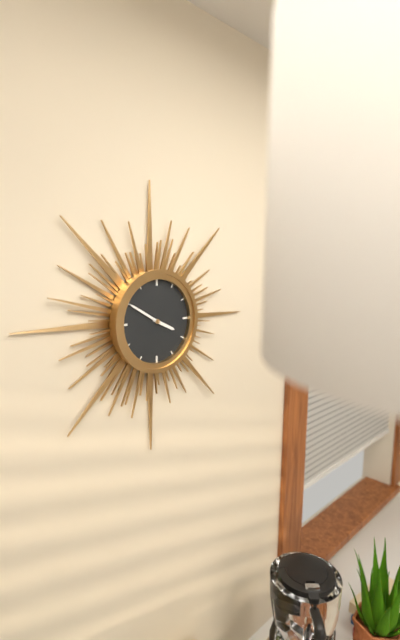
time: **3:50**
